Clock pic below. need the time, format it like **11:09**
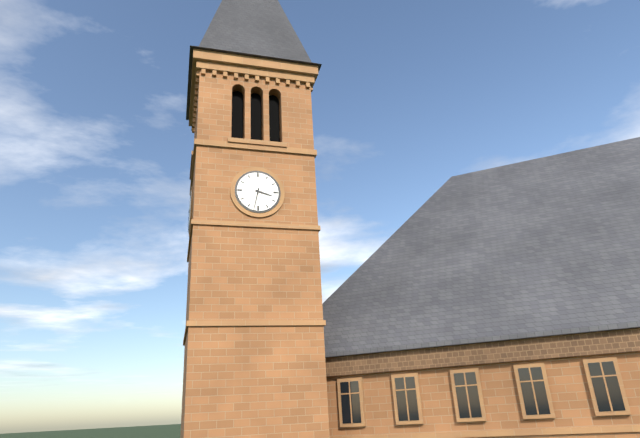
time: **3:32**
